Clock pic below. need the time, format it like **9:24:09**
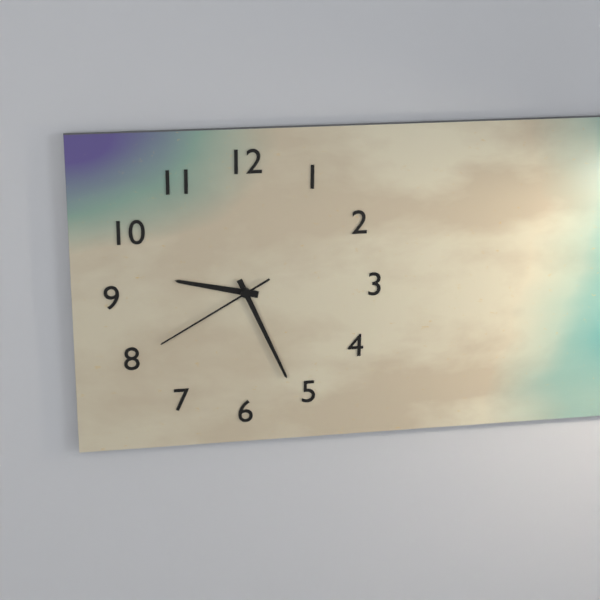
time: **9:26:40**
